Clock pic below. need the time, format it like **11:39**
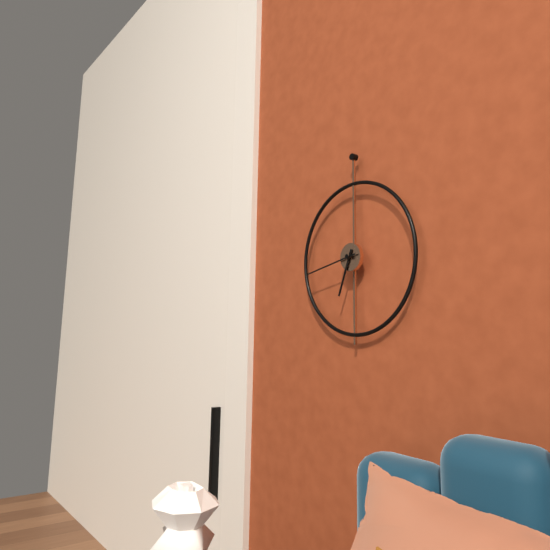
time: **6:43**
